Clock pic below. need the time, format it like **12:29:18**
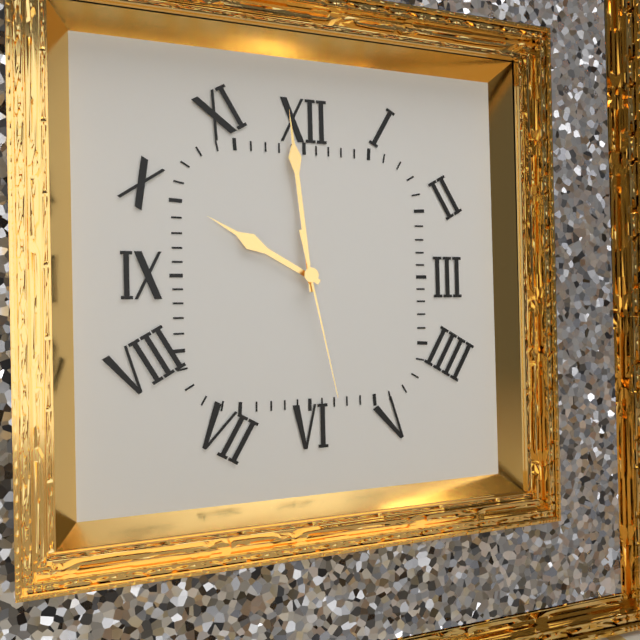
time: **9:59:28**
